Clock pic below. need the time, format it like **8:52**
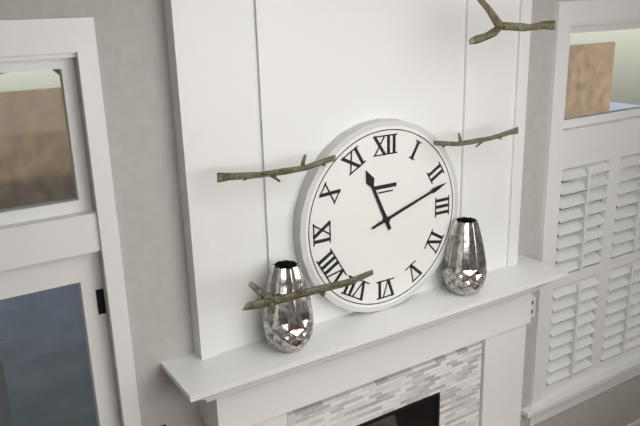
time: **11:12**
